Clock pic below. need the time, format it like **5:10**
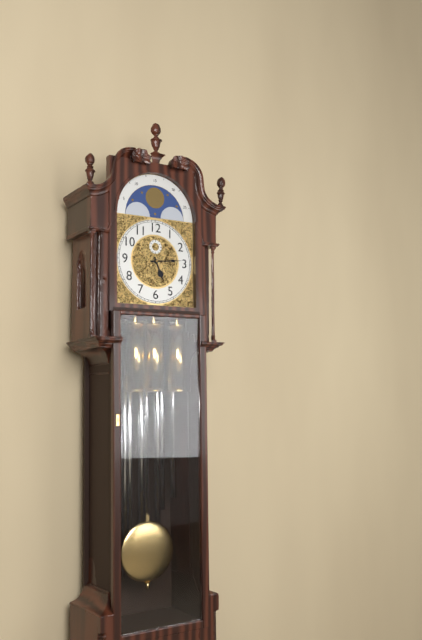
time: **5:14**
